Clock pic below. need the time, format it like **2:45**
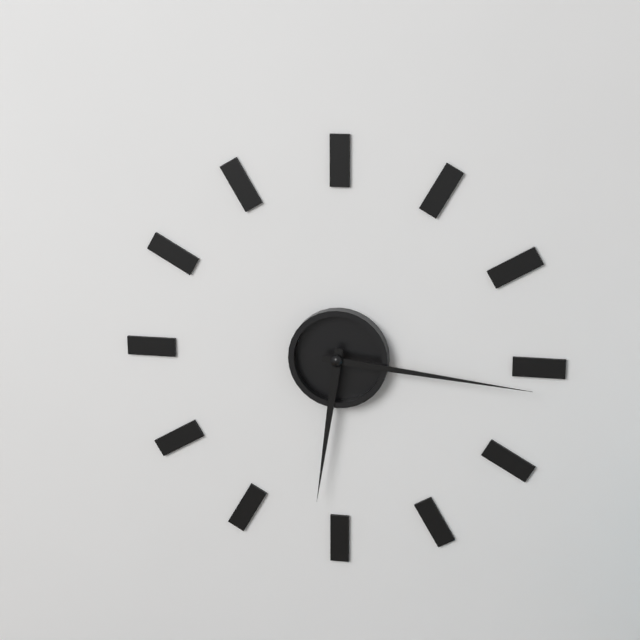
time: **6:16**
